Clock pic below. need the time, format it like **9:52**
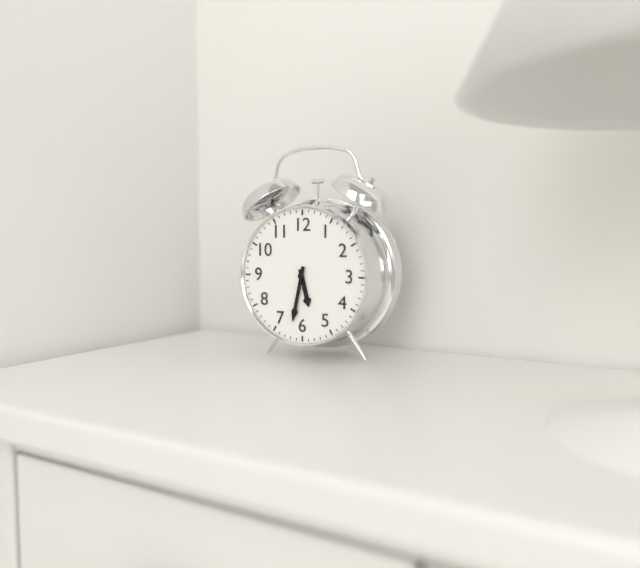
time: **5:32**
